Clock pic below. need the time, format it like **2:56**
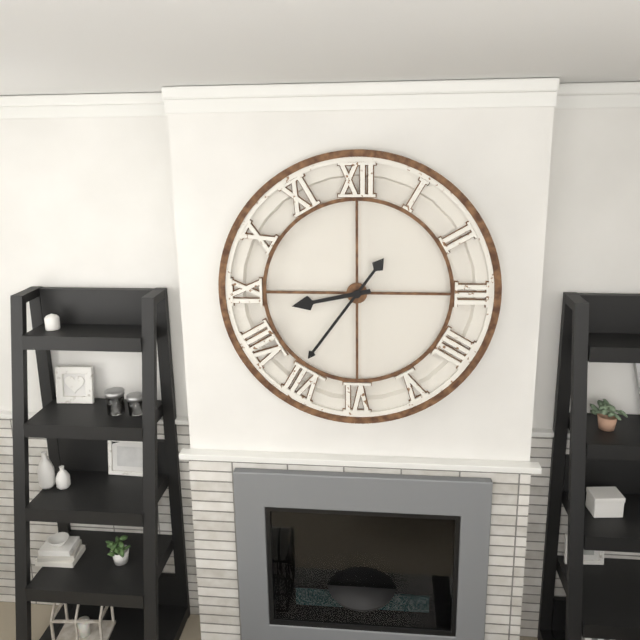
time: **8:36**
